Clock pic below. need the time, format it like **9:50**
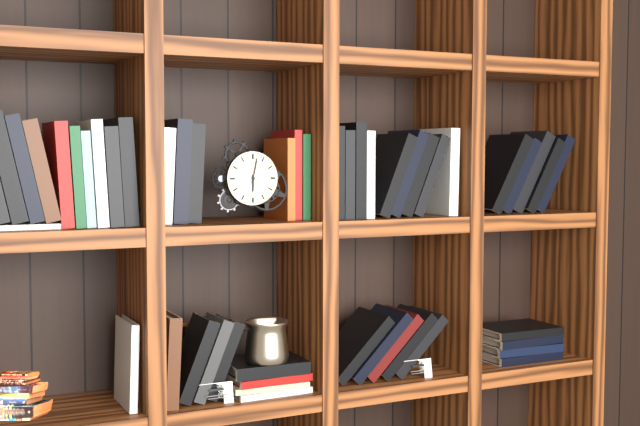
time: **6:02**
